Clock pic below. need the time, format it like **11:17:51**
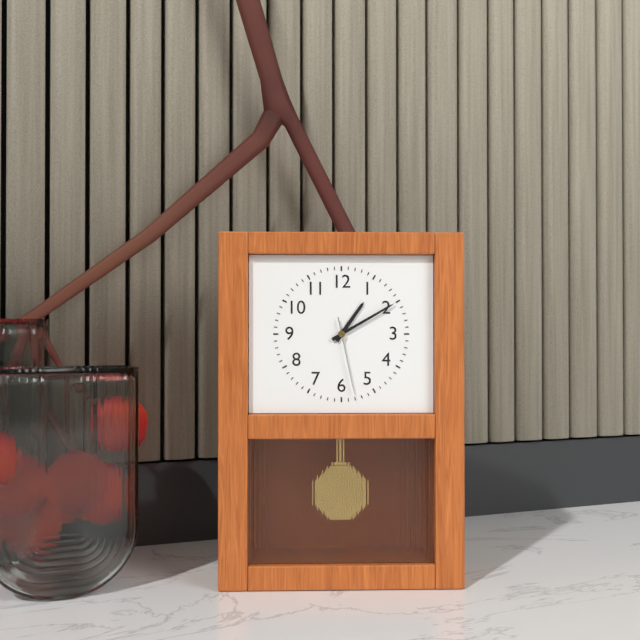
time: **1:10:28**
